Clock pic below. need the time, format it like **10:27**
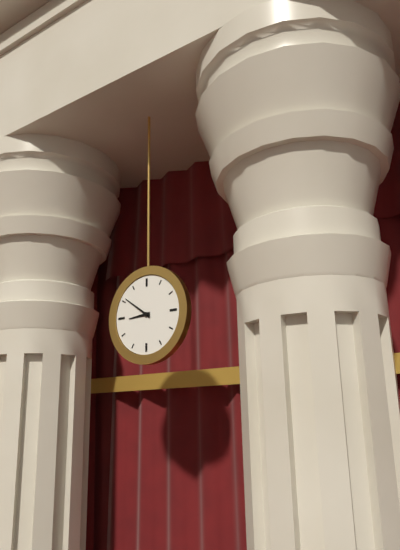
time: **8:51**
